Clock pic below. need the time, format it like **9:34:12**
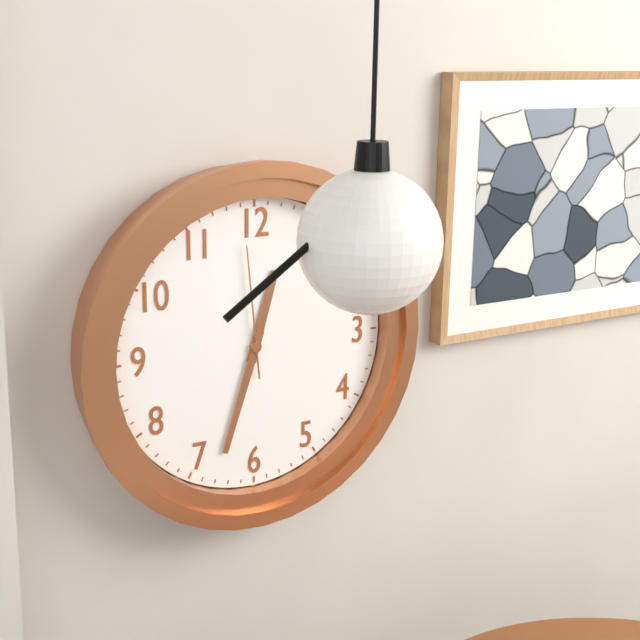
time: **12:33:59**
